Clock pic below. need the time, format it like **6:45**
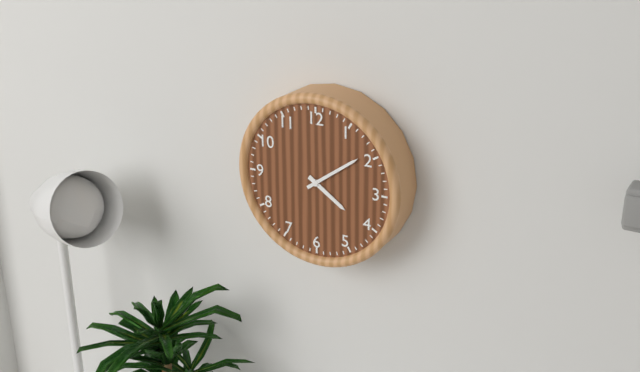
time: **4:09**
